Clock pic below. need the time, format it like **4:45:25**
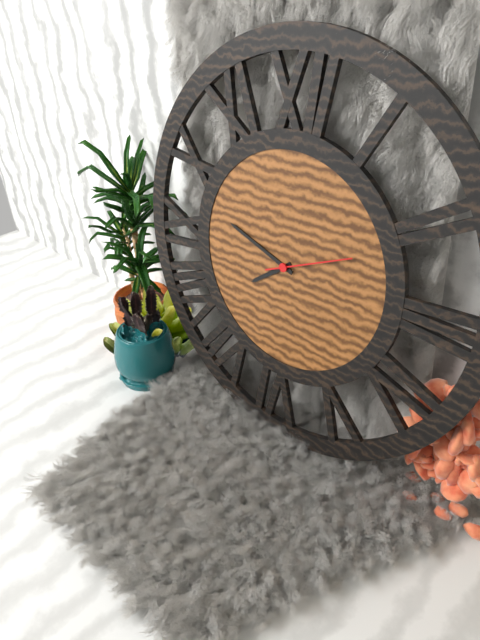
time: **7:48:11**
